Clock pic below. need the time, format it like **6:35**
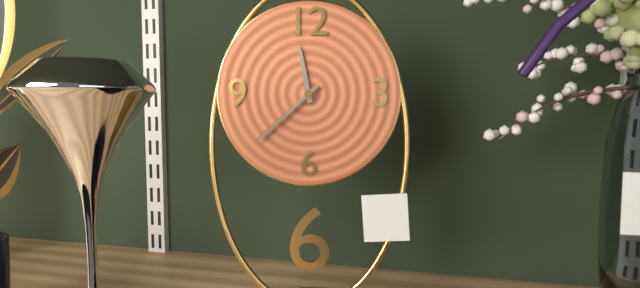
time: **11:38**
